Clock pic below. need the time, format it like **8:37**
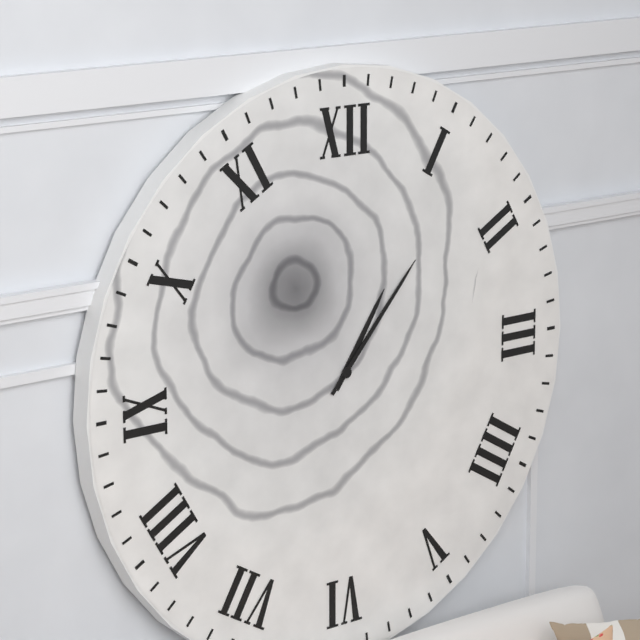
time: **1:07**
